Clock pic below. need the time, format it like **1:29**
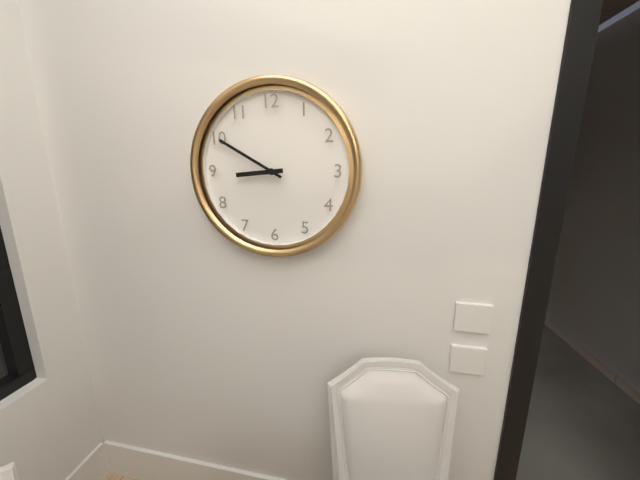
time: **8:50**
